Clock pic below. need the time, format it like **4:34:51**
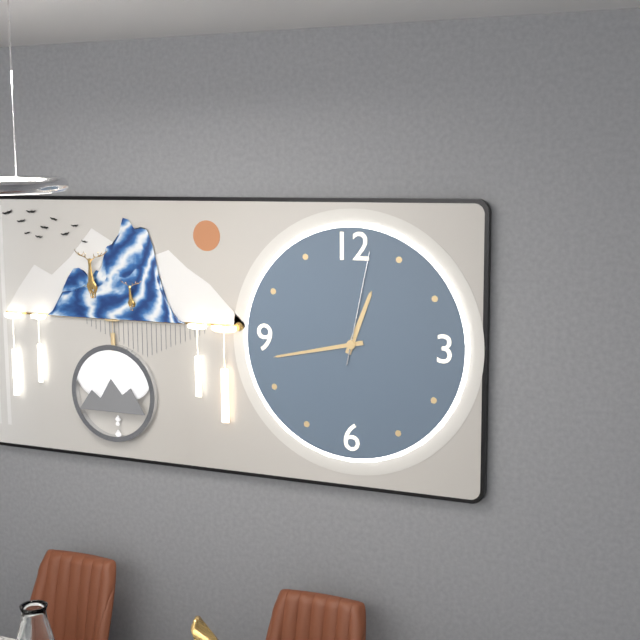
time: **12:43:02**
